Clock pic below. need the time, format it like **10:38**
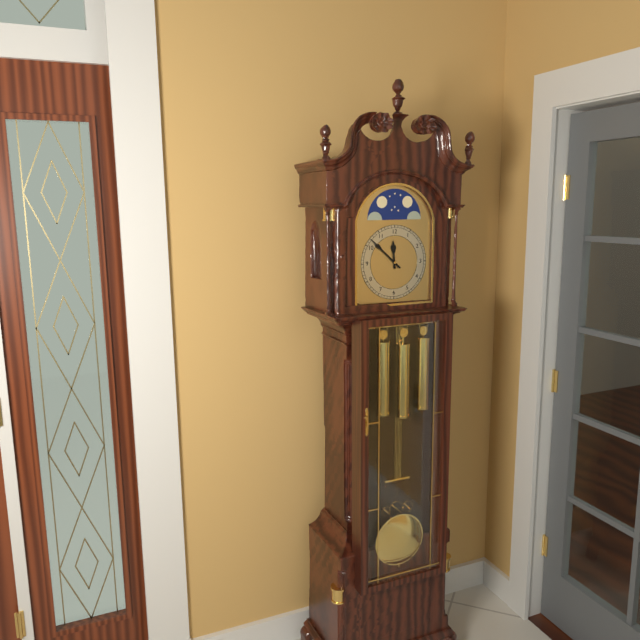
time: **11:52**
